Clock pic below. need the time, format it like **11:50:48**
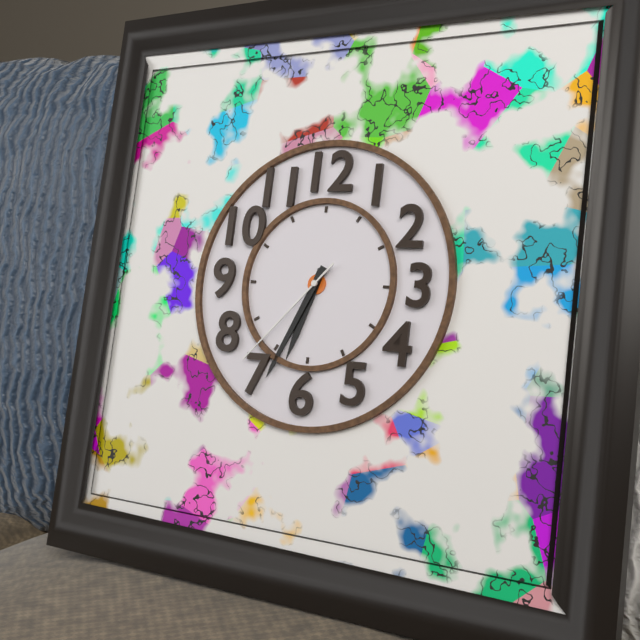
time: **6:34:37**
